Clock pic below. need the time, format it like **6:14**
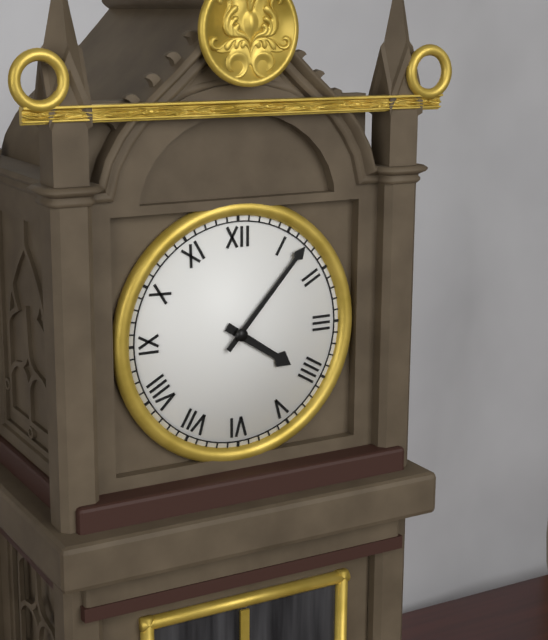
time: **4:07**
